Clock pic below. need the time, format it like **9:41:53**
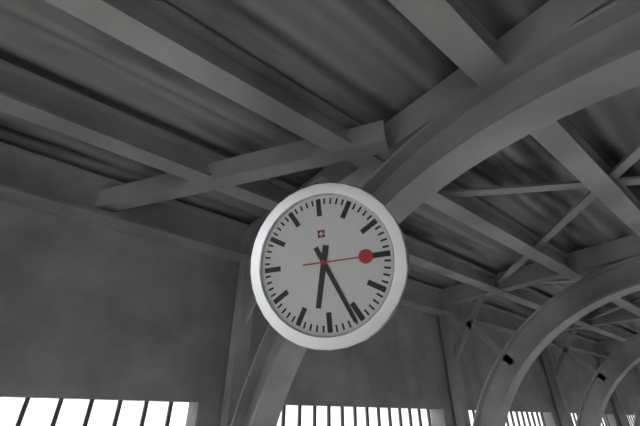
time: **6:26:15**
